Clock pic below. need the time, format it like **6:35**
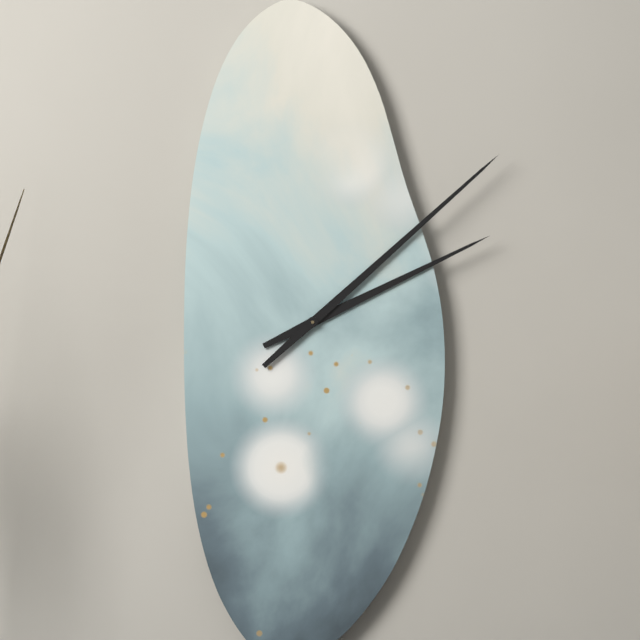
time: **2:08**
